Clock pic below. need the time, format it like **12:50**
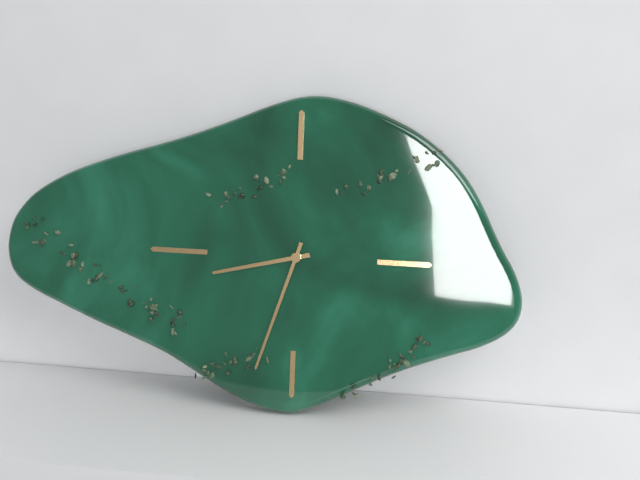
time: **8:33**
